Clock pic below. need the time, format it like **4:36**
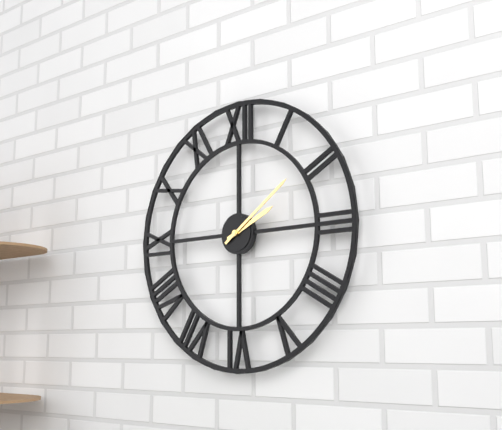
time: **2:09**
